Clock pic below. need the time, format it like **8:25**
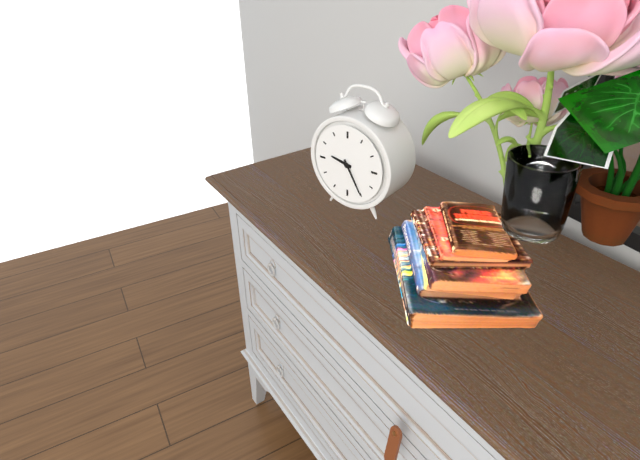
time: **9:25**
